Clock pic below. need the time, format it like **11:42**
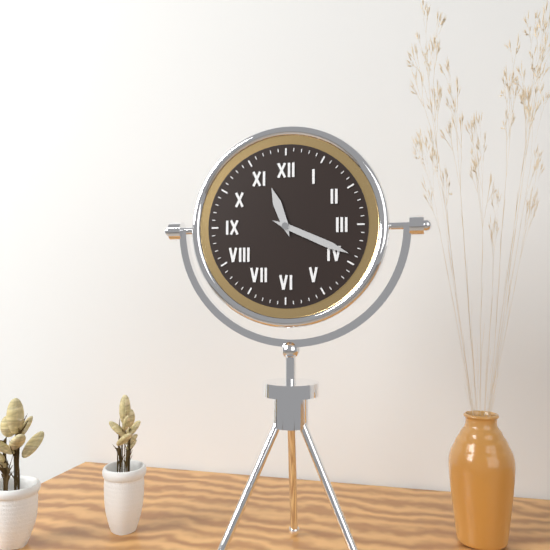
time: **11:19**
